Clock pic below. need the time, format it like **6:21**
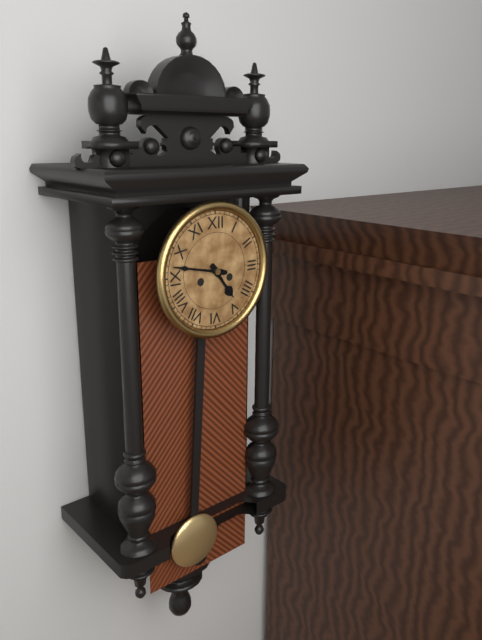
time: **4:47**
